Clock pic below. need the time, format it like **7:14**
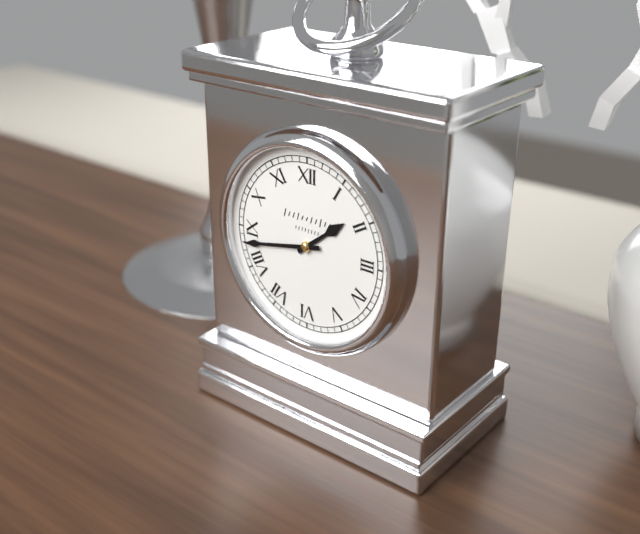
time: **1:43**
